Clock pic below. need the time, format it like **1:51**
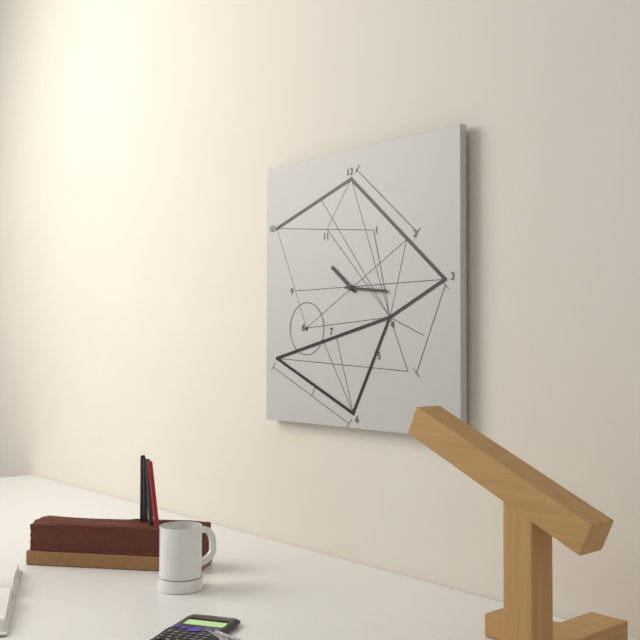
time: **10:16**
